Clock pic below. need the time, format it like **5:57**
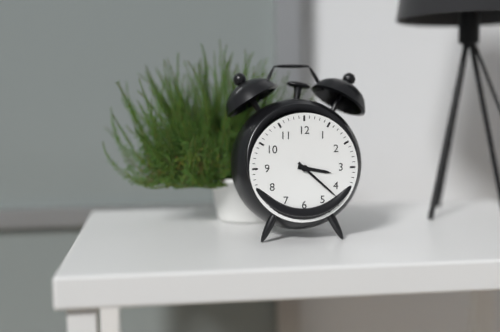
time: **3:22**
